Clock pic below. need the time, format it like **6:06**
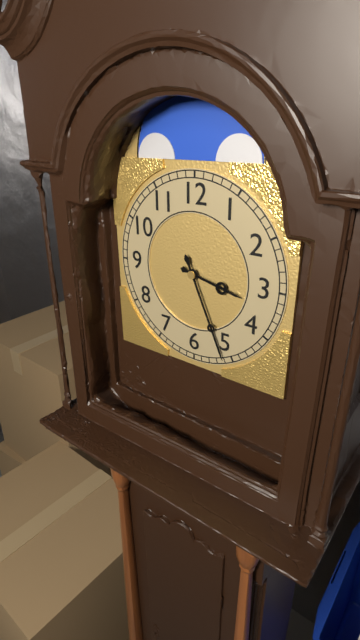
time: **3:26**
